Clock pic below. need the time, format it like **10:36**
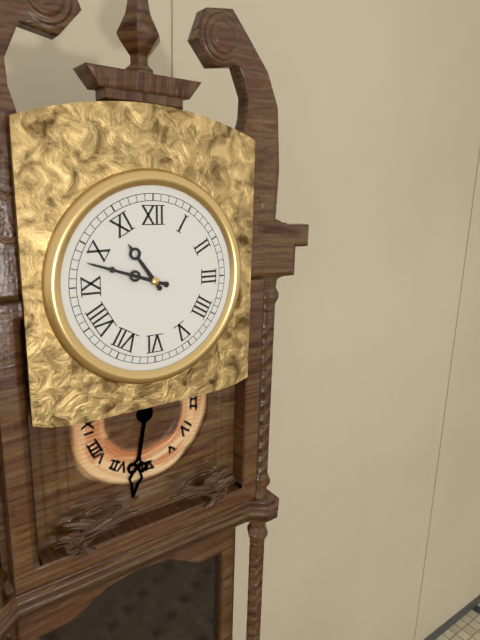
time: **10:48**
